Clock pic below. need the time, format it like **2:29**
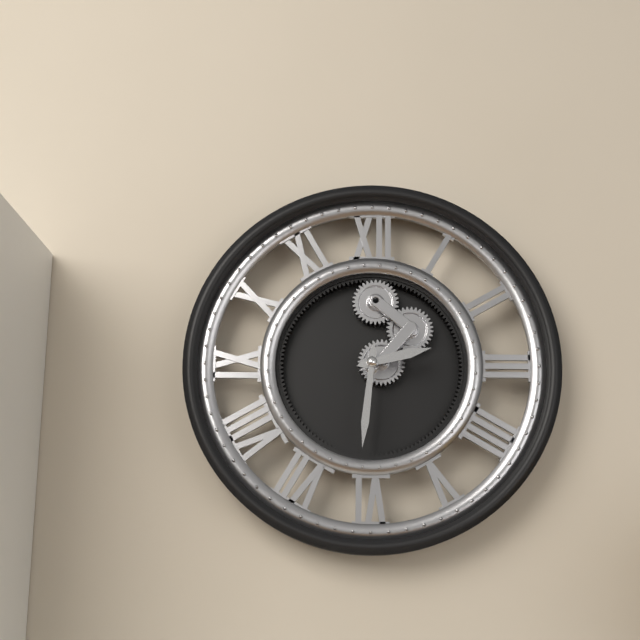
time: **2:31**
